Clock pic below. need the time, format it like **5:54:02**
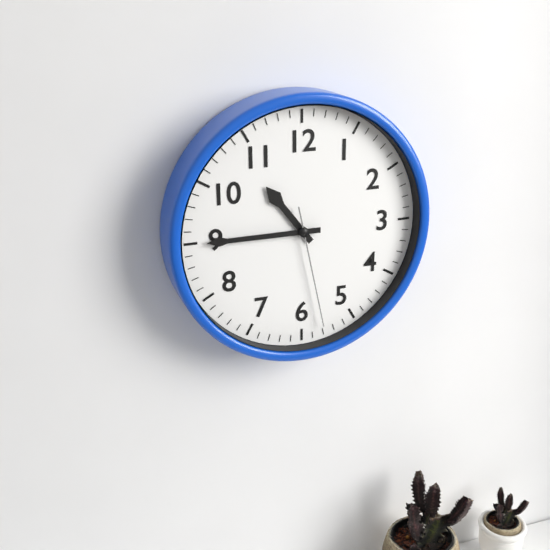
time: **10:45:28**
